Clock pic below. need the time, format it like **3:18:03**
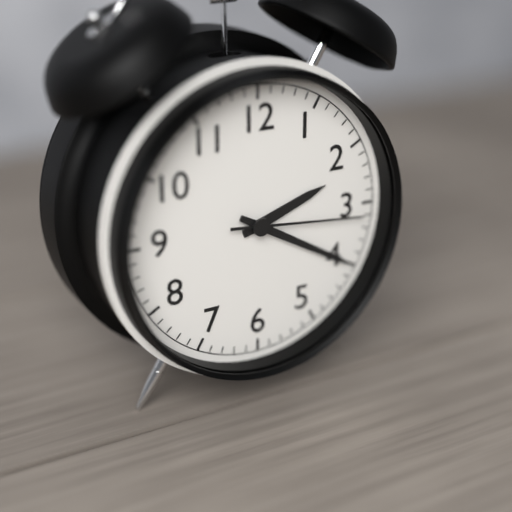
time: **2:20:16**
